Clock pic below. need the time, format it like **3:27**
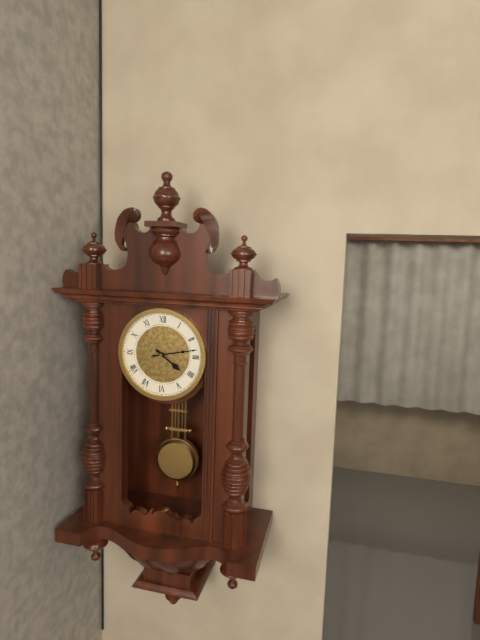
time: **4:13**
